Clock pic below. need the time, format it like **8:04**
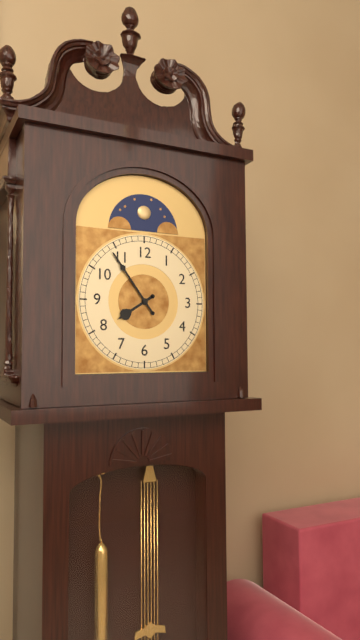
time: **7:54**
